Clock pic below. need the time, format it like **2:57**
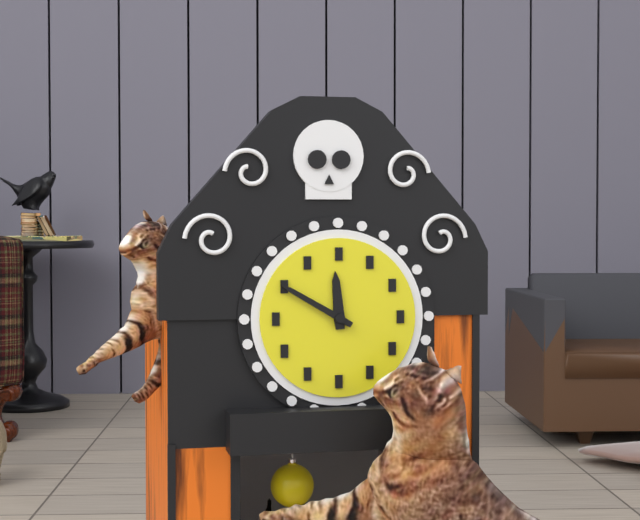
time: **11:50**
